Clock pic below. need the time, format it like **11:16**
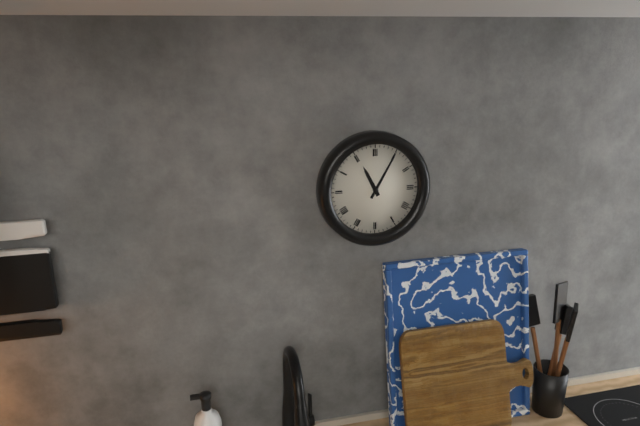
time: **11:05**
